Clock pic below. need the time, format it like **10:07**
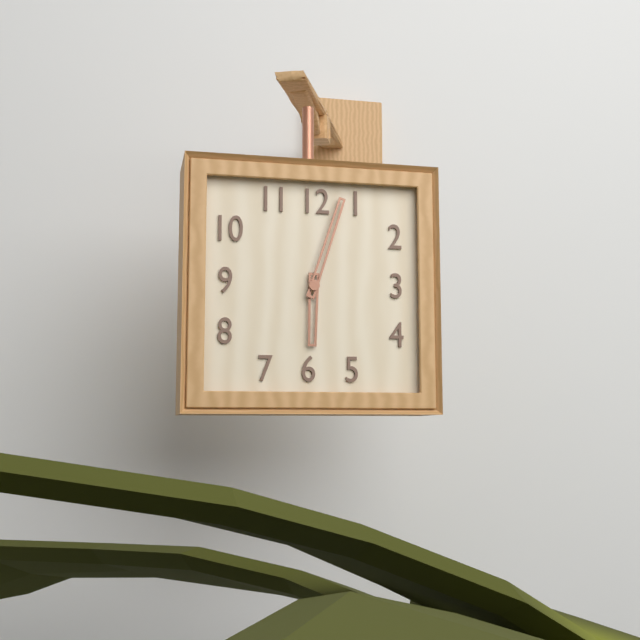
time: **6:03**
